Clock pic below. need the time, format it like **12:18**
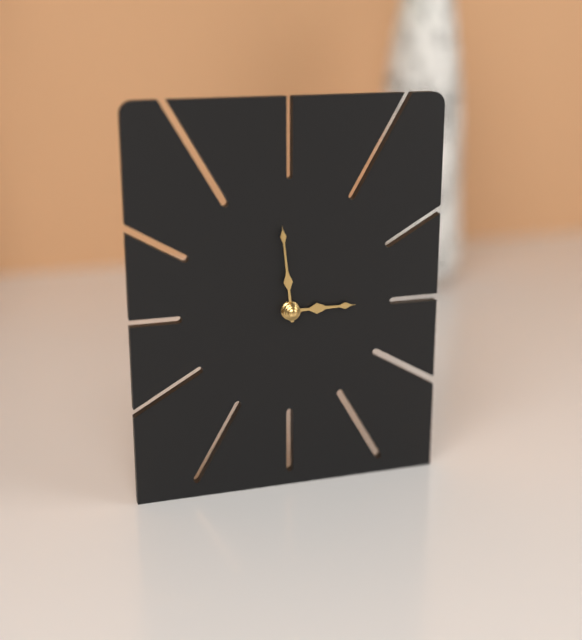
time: **2:59**
